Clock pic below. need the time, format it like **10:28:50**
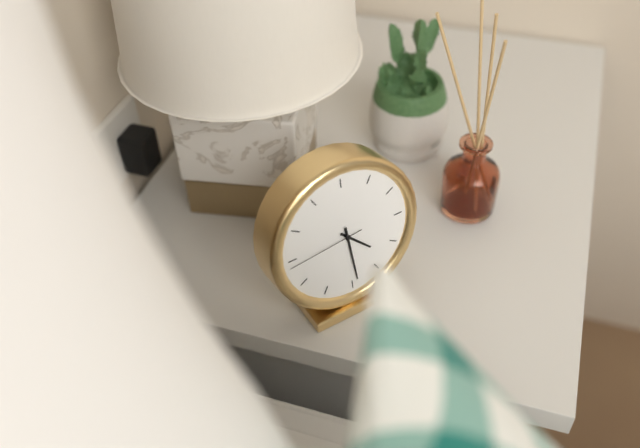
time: **4:29:44**
